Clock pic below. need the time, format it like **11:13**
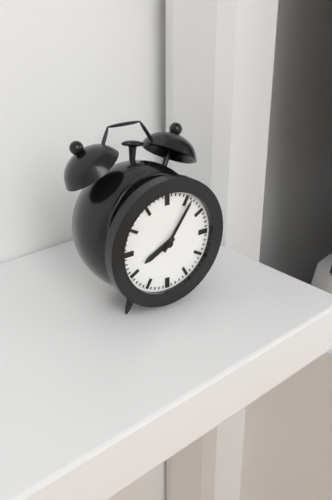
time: **8:06**
